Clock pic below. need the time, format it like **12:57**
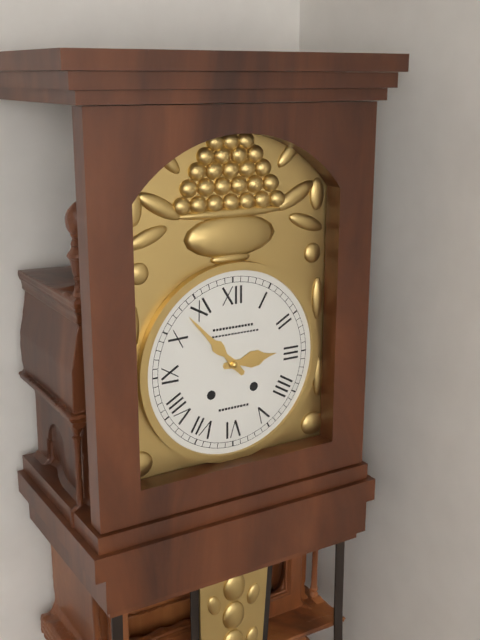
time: **2:53**
